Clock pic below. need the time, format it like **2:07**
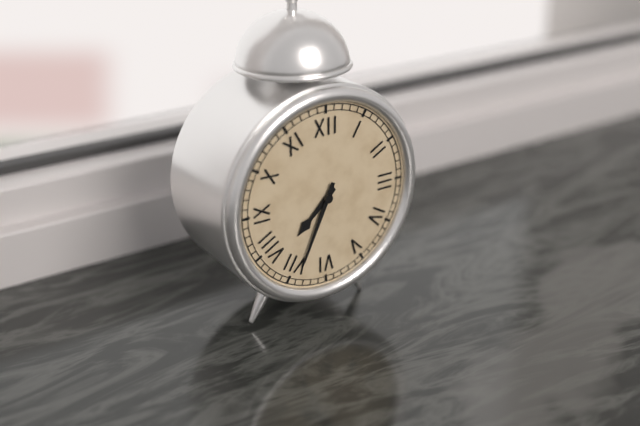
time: **7:34**
